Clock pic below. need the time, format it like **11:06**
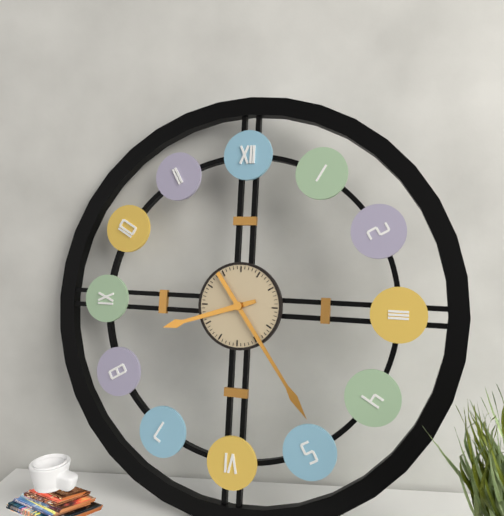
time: **8:24**
